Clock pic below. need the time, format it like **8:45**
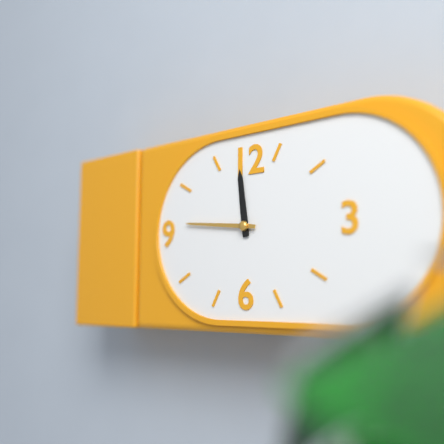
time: **11:46**
